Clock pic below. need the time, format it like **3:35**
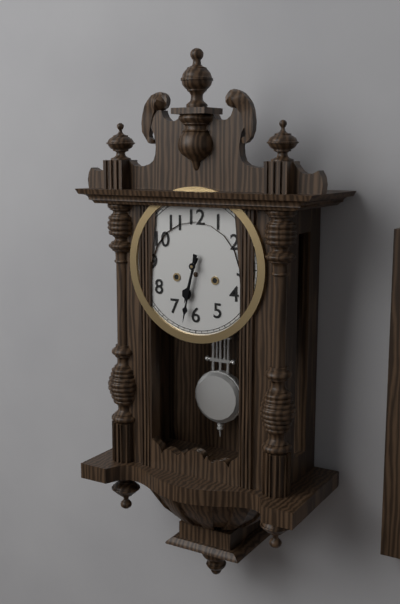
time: **6:32**
